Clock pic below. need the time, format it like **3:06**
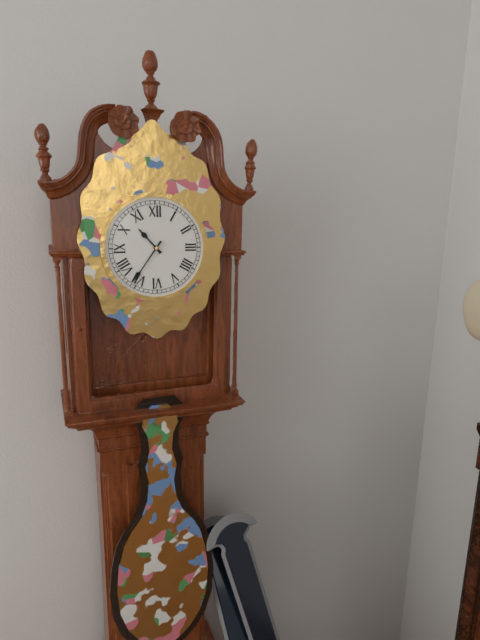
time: **10:36**
